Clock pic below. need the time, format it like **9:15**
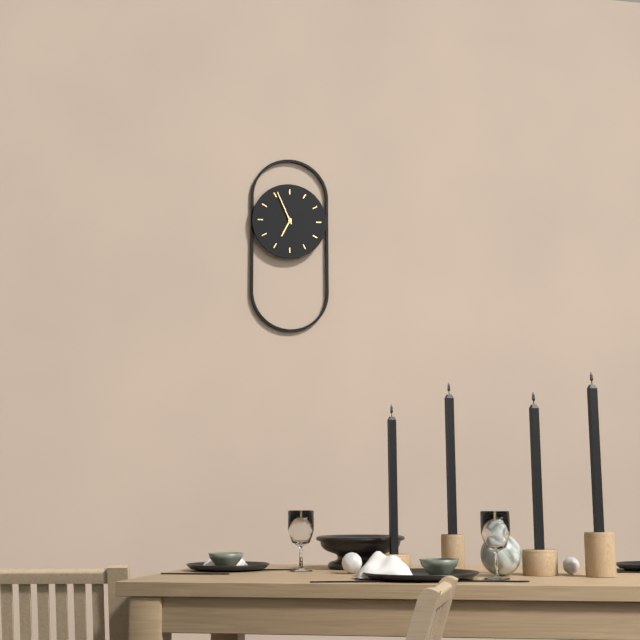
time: **6:56**
